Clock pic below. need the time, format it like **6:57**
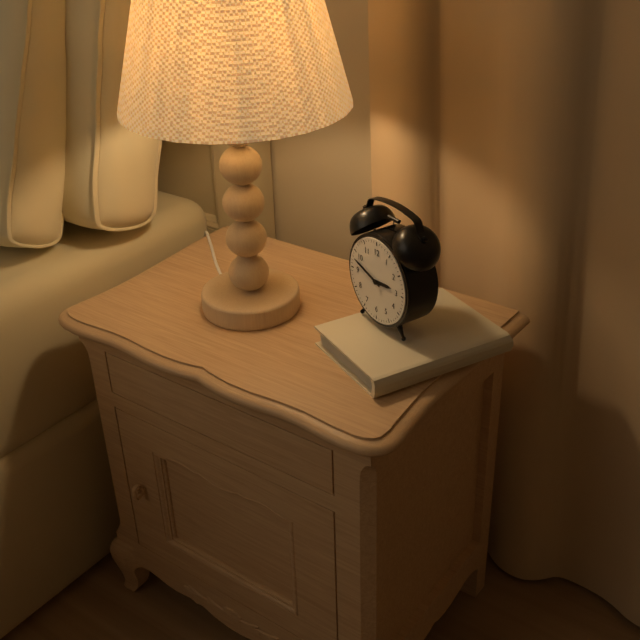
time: **2:48**
